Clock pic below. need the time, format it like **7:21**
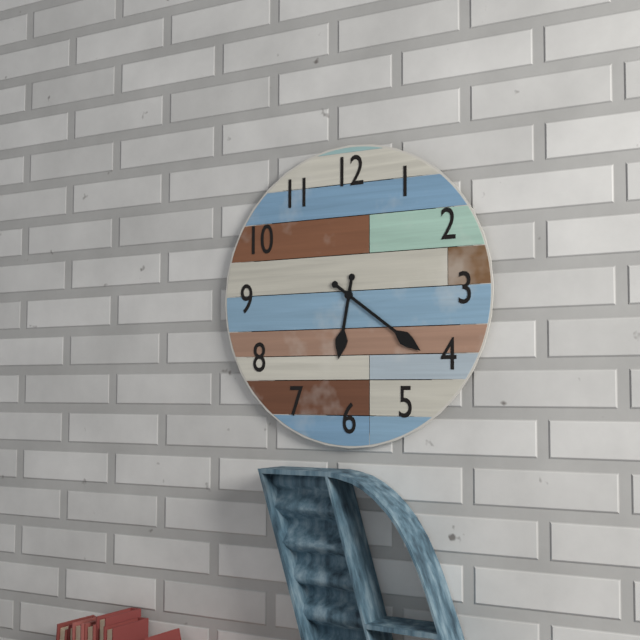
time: **6:21**
